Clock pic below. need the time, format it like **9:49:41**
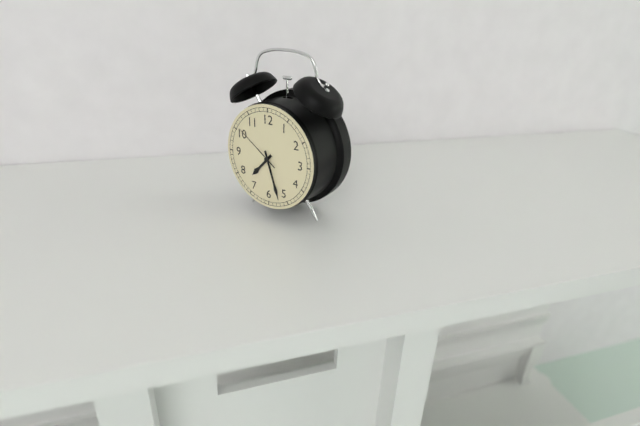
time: **7:27:51**
